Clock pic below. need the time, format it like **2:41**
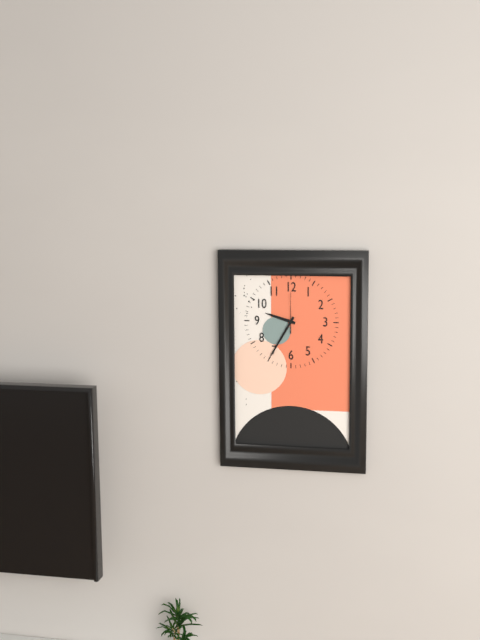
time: **9:35**
